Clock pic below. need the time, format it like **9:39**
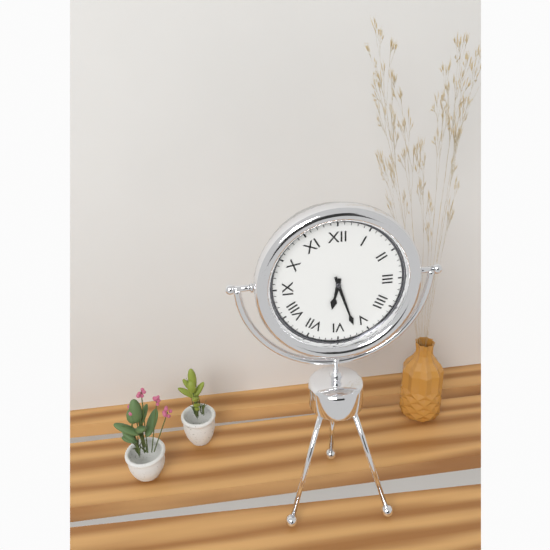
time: **6:27**
